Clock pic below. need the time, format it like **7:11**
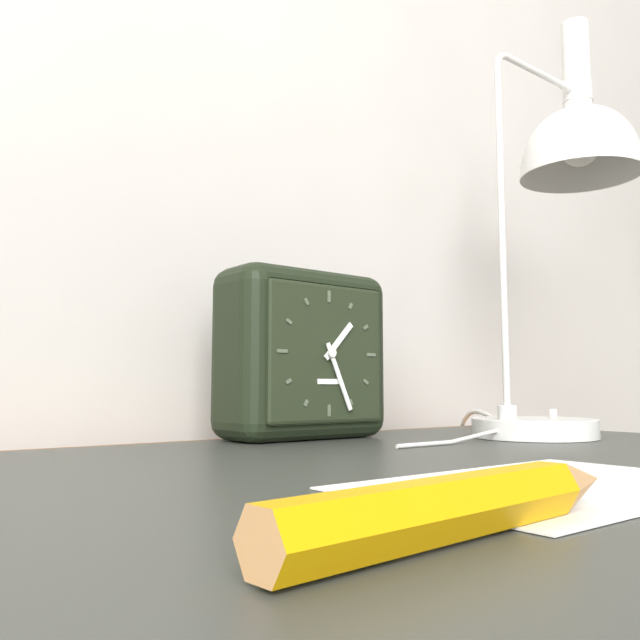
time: **1:26**
